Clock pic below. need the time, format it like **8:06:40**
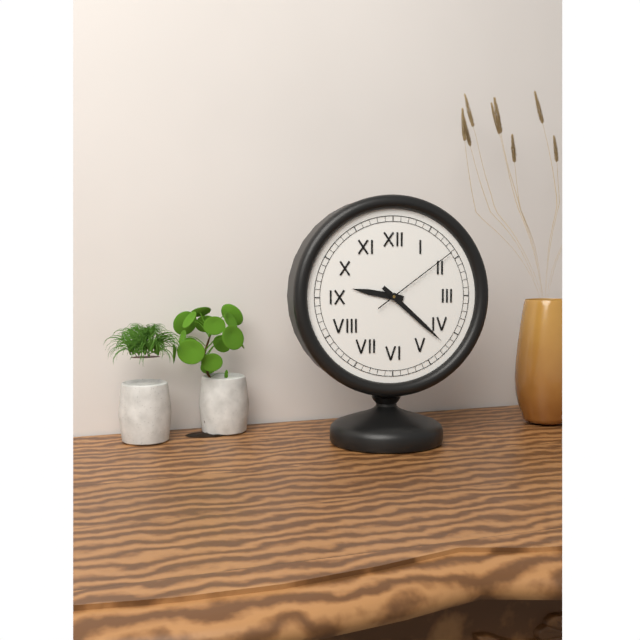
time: **9:22:09**
